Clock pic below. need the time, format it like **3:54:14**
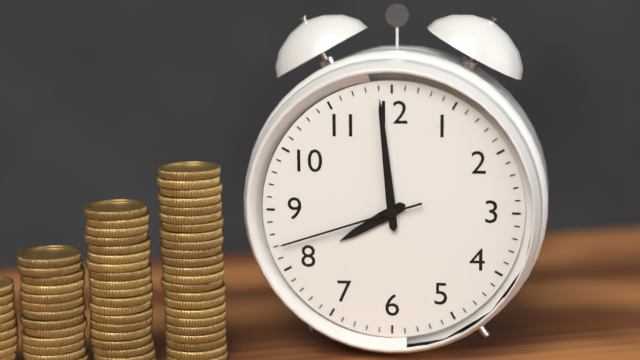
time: **7:59:42**
